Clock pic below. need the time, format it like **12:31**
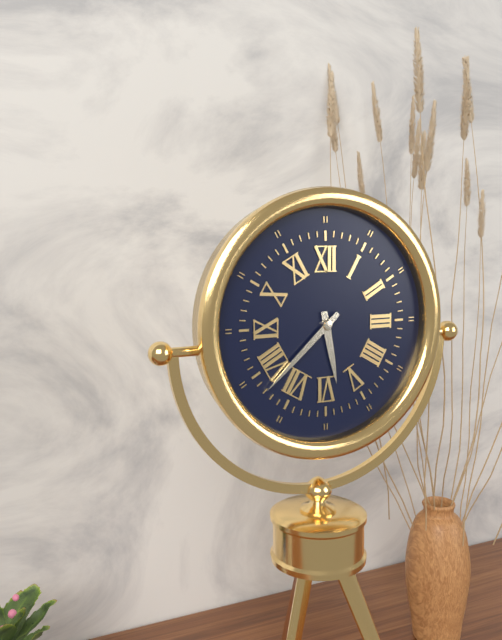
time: **5:38**
